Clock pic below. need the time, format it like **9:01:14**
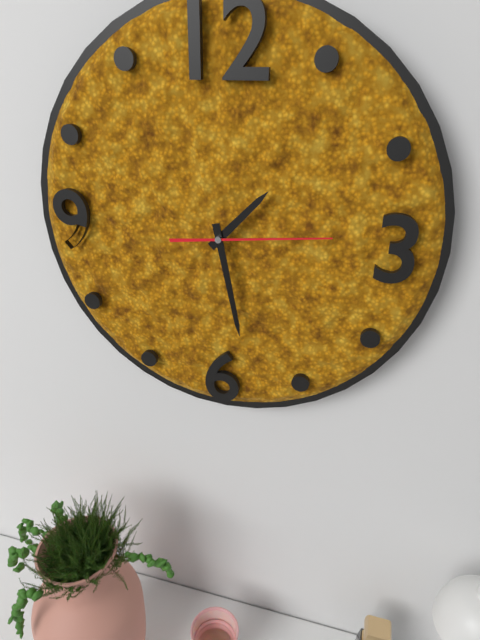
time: **1:28:14**
